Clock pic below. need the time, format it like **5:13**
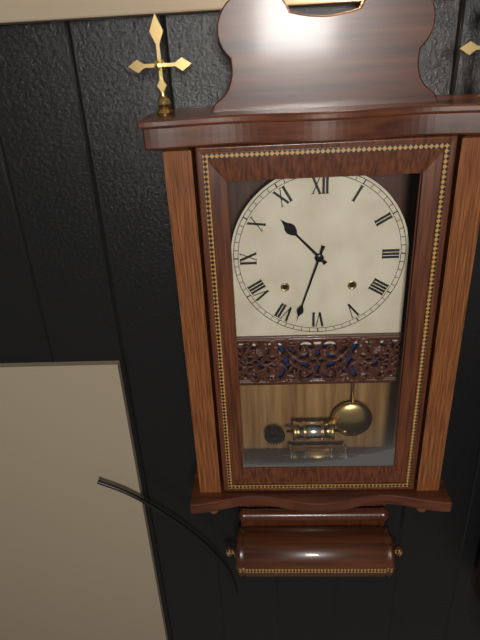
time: **10:33**
